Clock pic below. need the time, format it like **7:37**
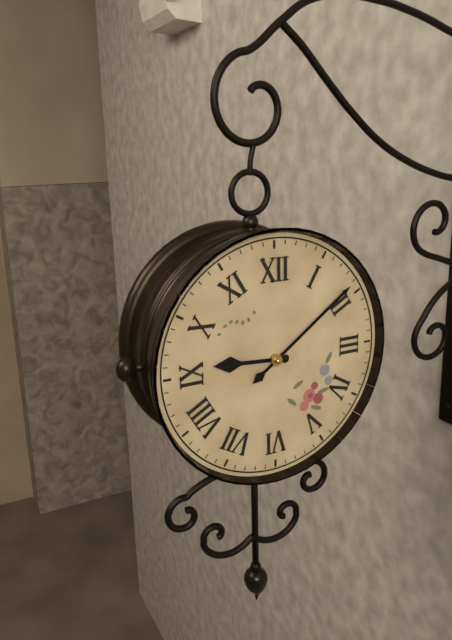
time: **9:09**
